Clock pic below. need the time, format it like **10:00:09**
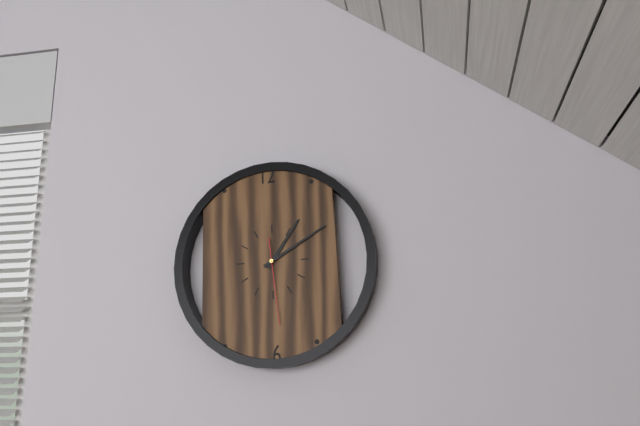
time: **1:10:29**
